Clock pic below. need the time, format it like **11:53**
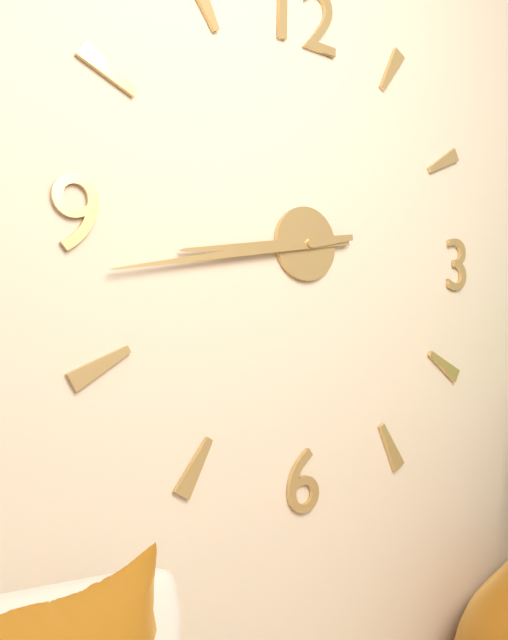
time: **8:43**
